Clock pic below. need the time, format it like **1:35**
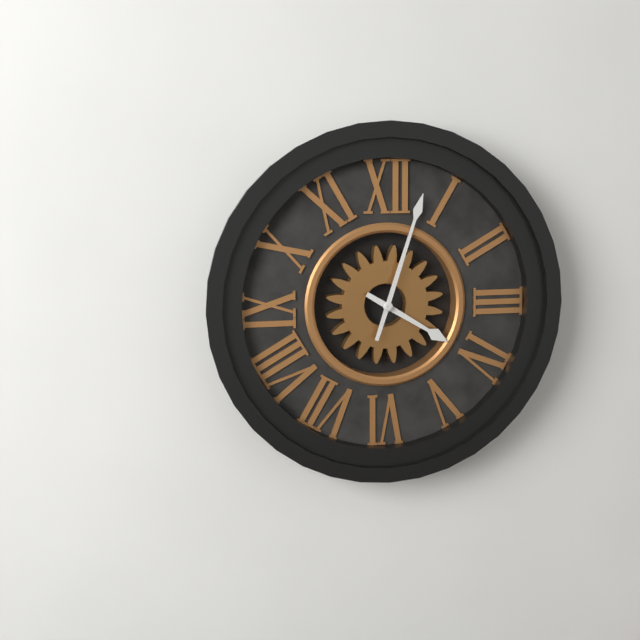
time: **4:03**
